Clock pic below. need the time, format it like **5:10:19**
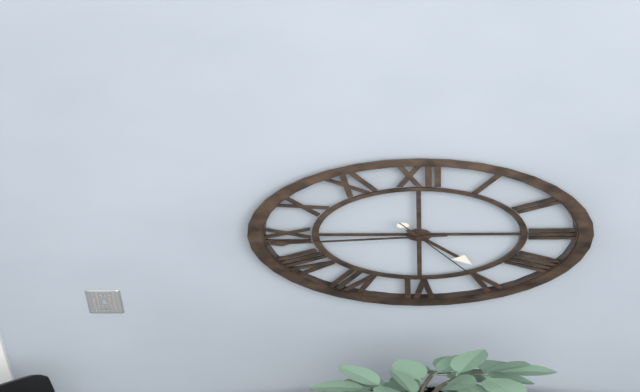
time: **4:44:25**
